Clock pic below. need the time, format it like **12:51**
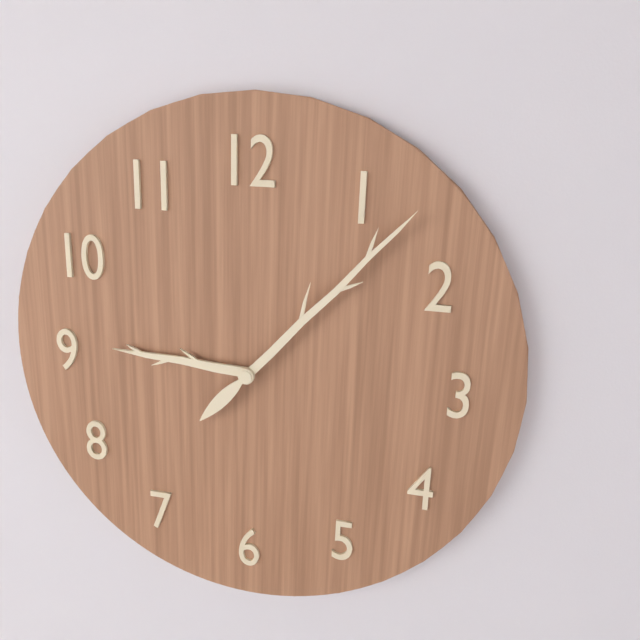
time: **9:07**
